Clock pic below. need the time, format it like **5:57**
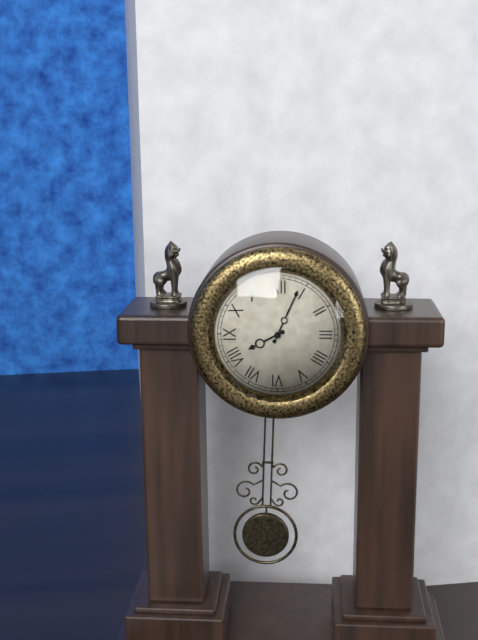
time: **8:04**
